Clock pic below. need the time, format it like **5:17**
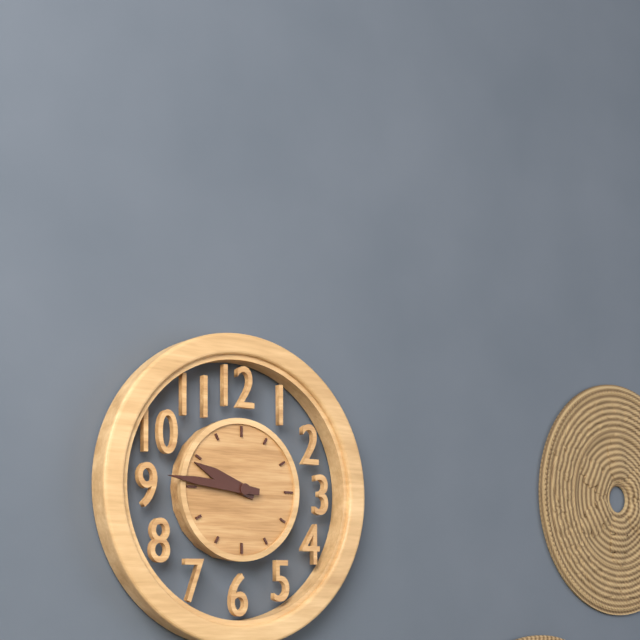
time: **9:46**
